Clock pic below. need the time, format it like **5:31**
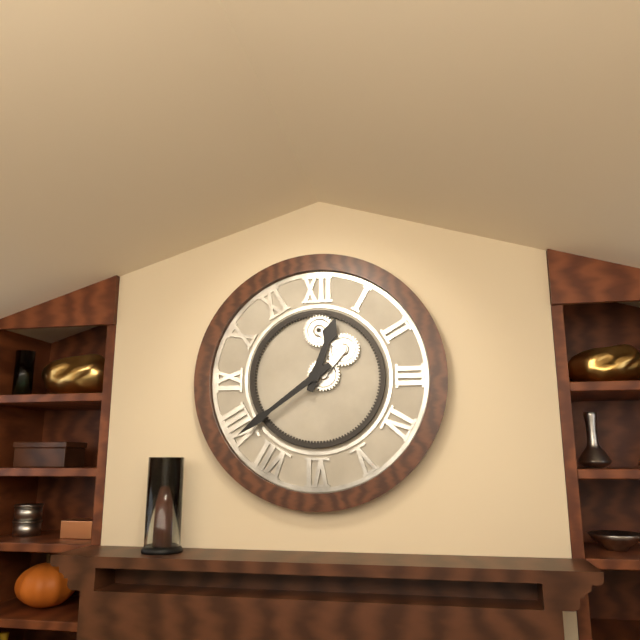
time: **12:39**
